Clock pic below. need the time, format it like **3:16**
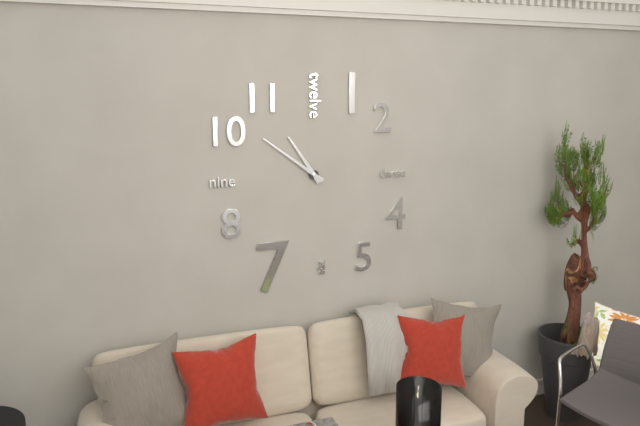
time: **10:51**
